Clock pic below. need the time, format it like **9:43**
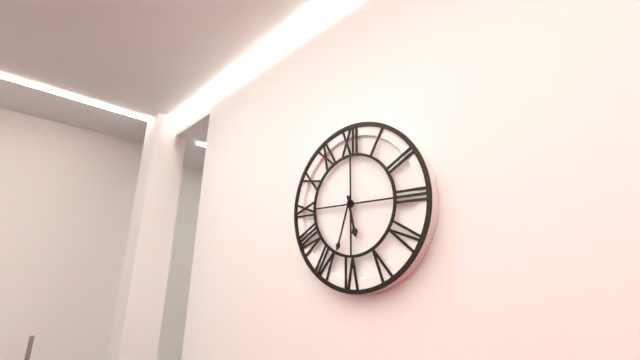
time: **5:33**
